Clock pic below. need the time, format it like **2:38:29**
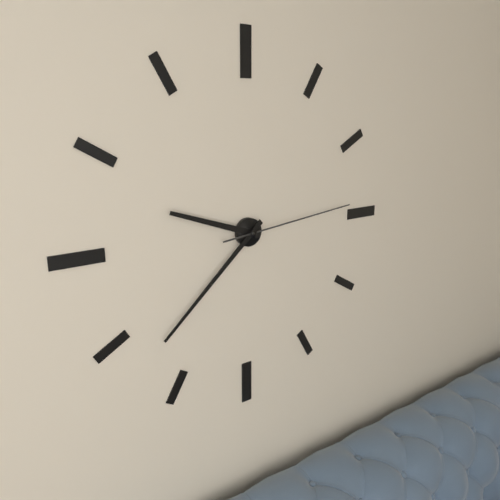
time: **9:38:14**
